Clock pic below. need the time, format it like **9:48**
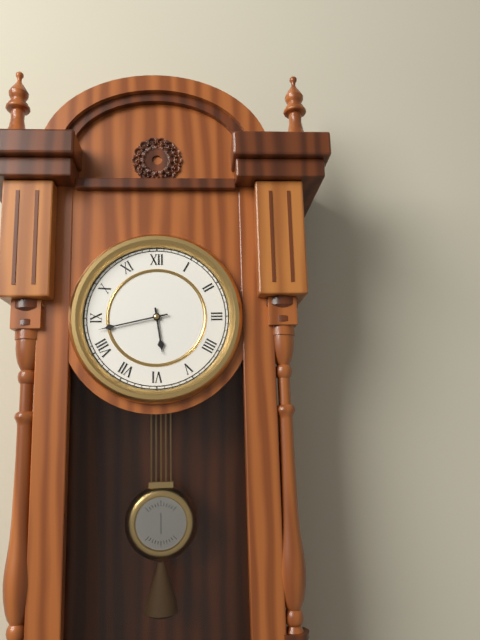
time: **5:43**
